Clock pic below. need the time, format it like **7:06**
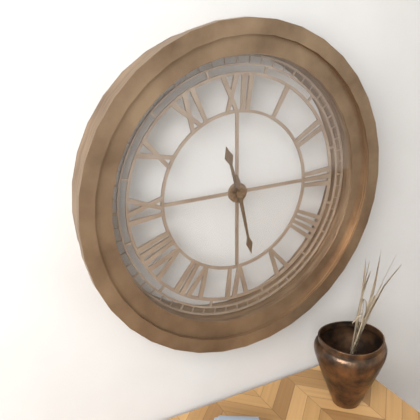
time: **11:28**
